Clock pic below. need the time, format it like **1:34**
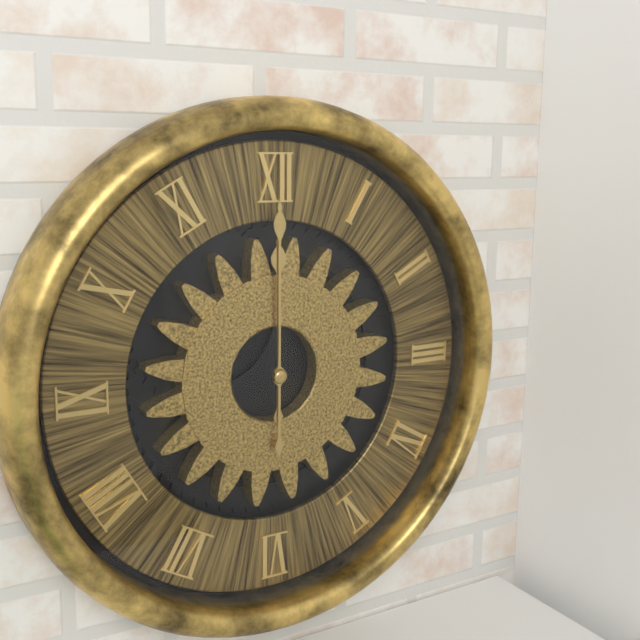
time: **12:00**
